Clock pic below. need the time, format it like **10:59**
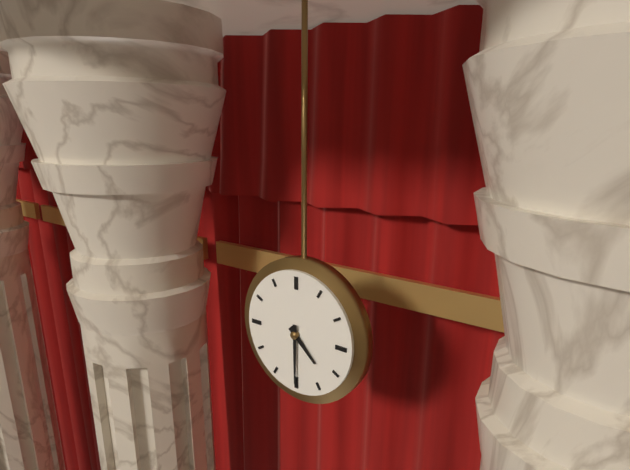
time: **4:30**
